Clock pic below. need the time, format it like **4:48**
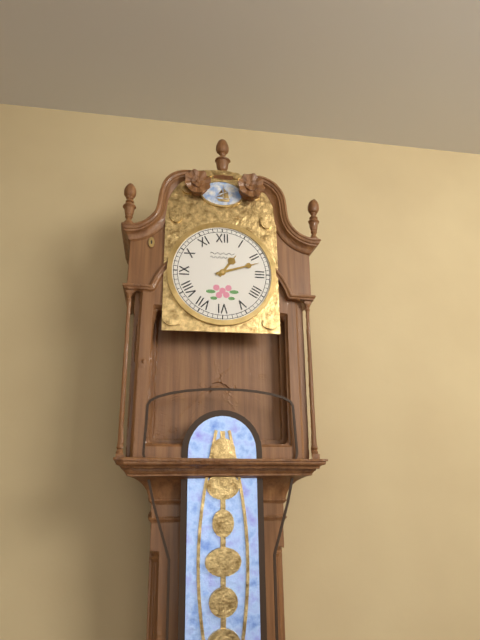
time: **1:12**
